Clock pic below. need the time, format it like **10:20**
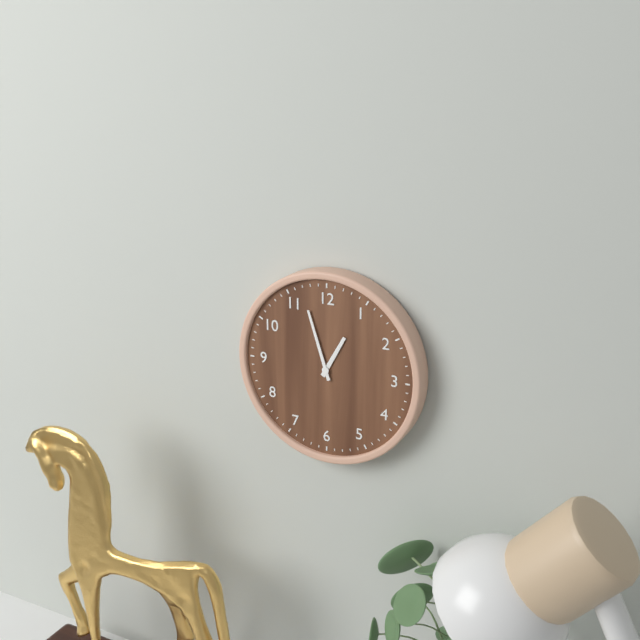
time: **12:57**
